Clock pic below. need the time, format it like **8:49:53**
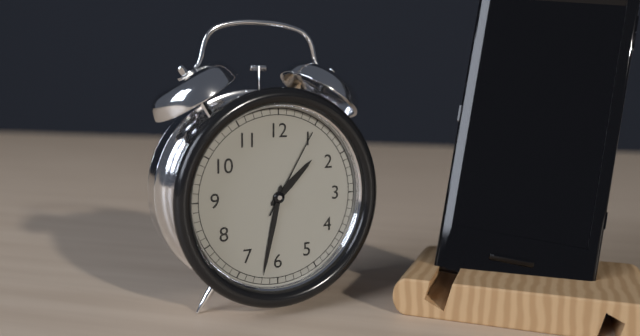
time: **1:32:05**
